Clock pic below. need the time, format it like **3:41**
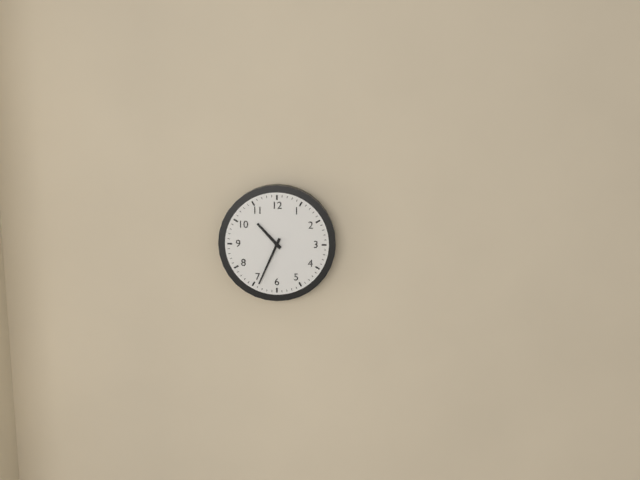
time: **10:34**
